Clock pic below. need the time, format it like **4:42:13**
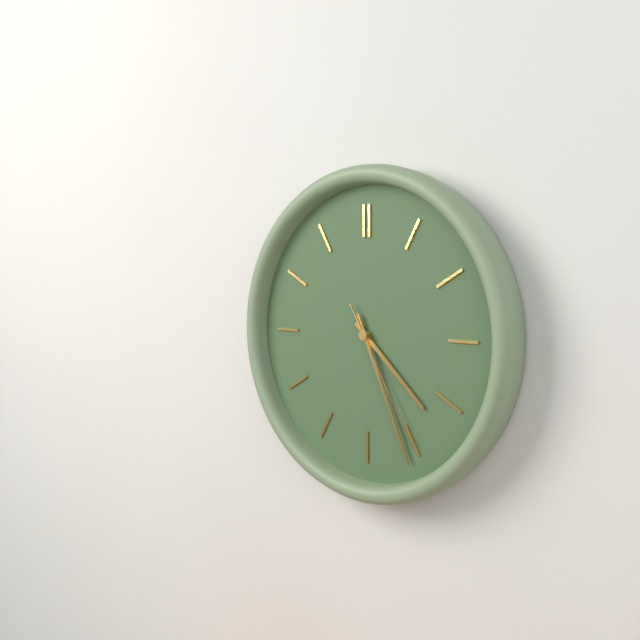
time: **4:26:25**
